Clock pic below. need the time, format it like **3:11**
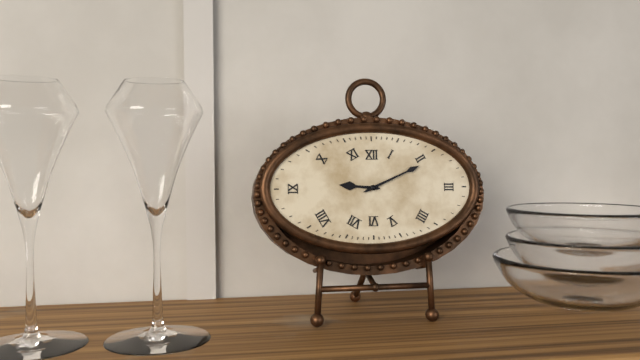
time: **9:11**
